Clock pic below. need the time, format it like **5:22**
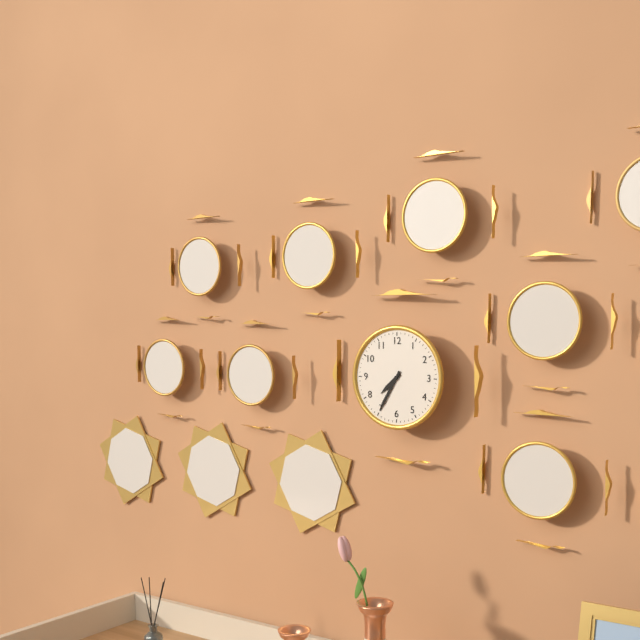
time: **7:35**
